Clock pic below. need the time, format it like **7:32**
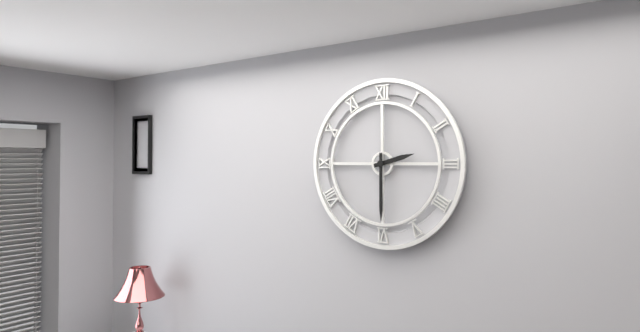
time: **2:30**
